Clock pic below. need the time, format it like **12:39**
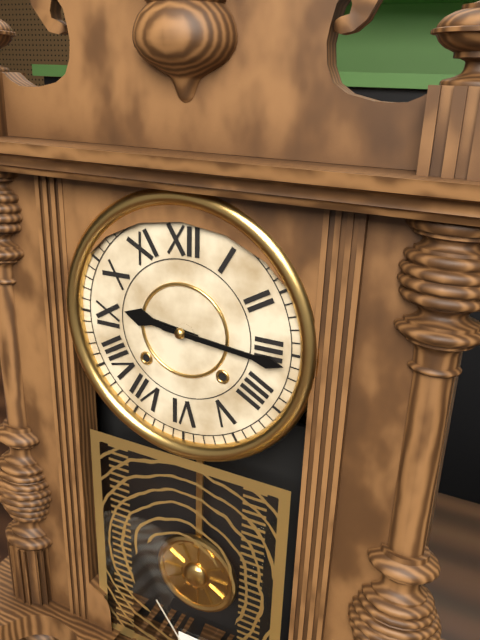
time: **9:16**
